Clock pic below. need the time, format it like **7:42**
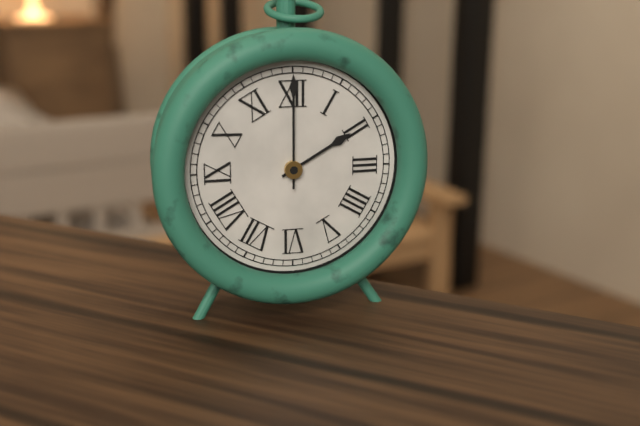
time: **2:00**
